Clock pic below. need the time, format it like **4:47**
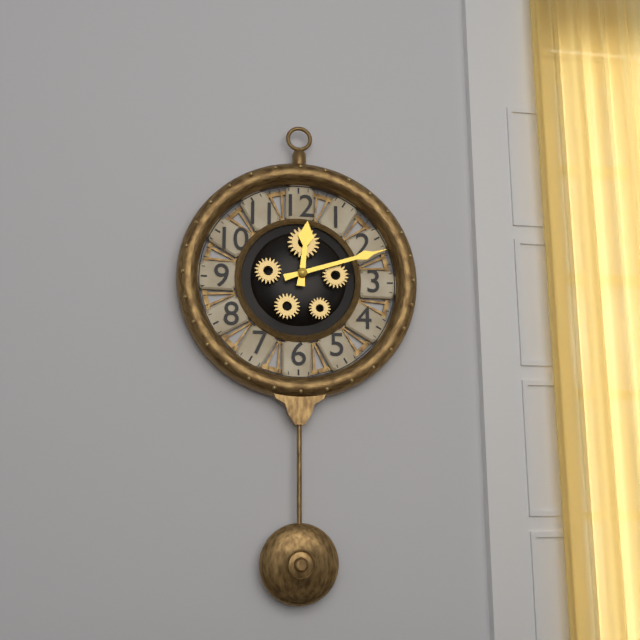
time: **12:12**
